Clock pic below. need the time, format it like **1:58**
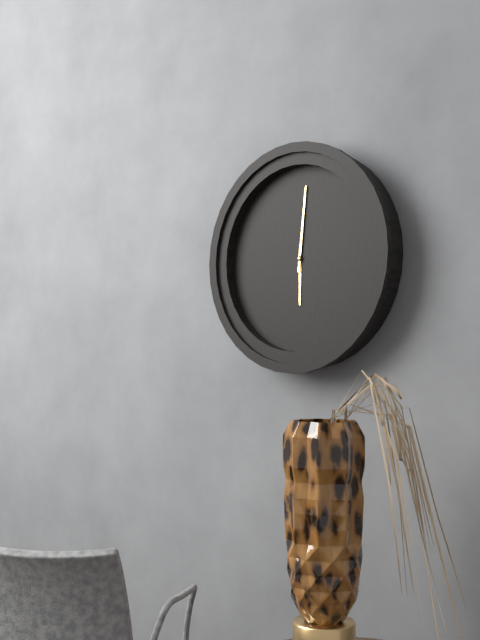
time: **6:01**
